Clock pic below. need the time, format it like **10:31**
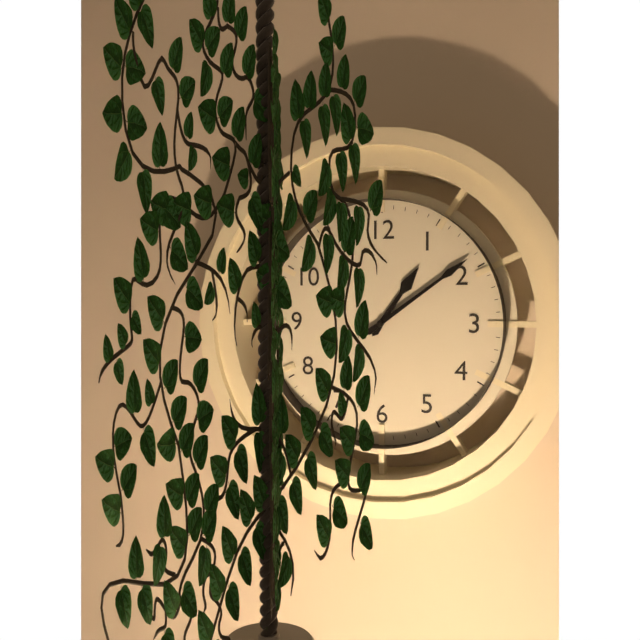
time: **1:09**
